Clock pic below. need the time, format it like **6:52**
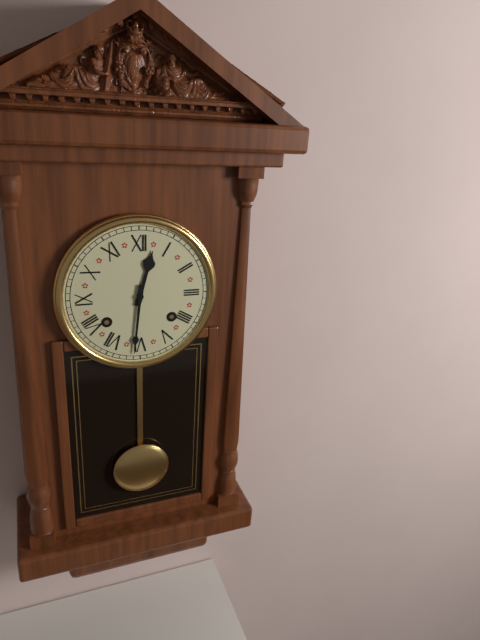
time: **12:31**
